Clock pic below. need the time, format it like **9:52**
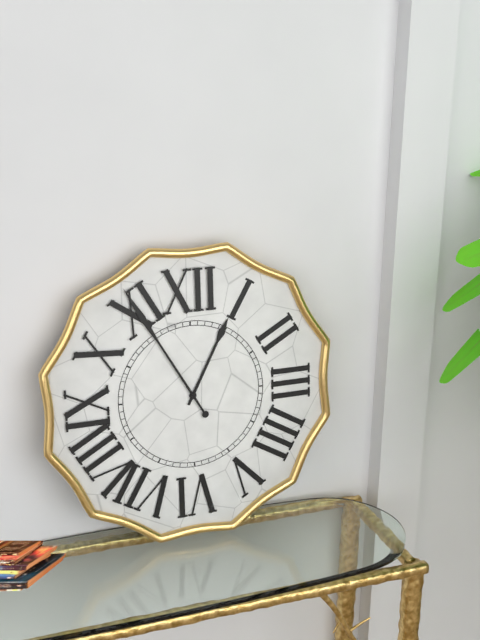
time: **12:55**
